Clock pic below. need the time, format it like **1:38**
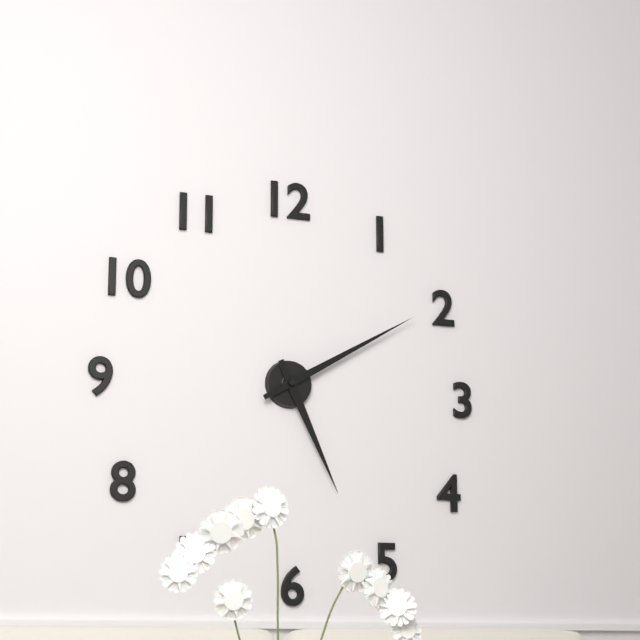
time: **5:10**
